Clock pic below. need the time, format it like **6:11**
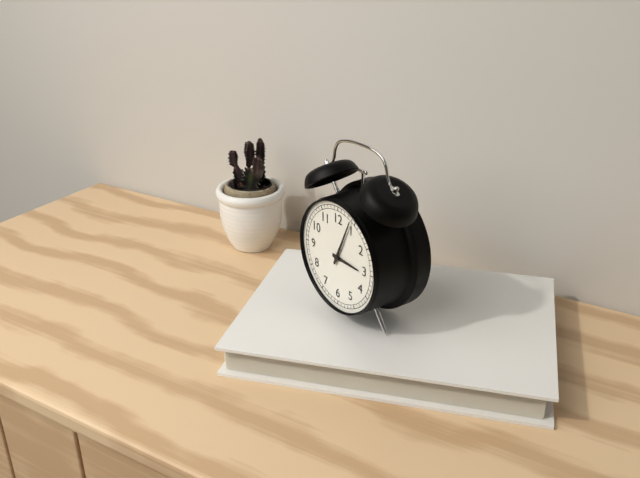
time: **3:04**
